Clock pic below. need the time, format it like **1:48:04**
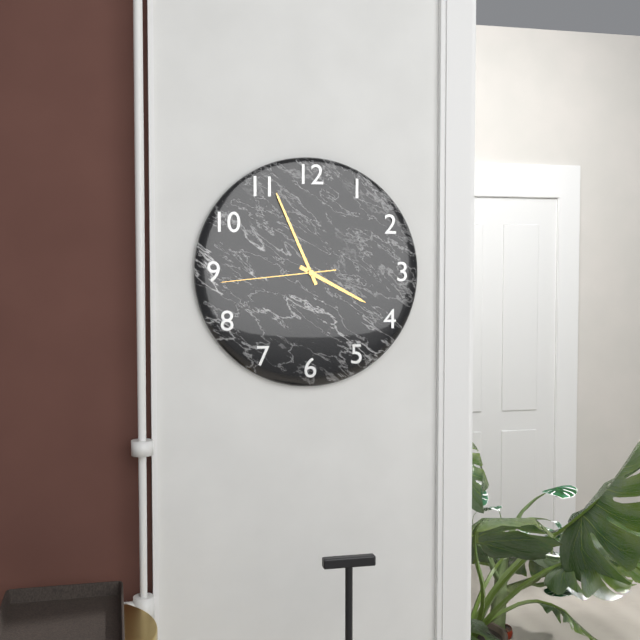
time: **3:56:44**
